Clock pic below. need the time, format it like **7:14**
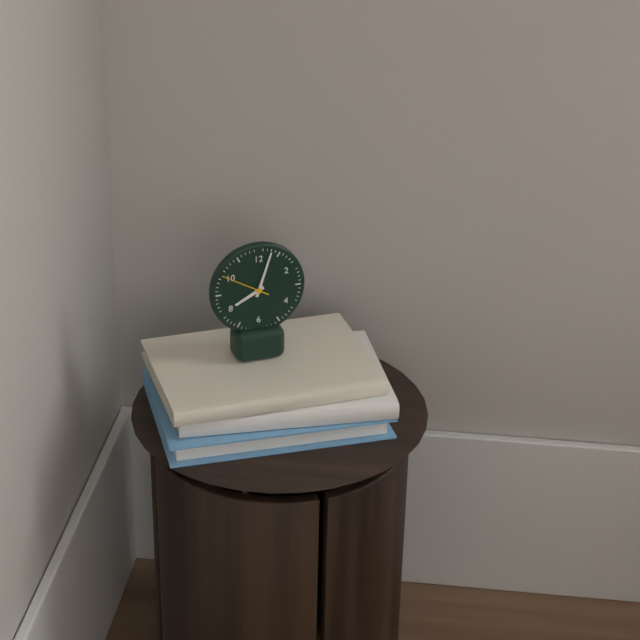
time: **8:03**
